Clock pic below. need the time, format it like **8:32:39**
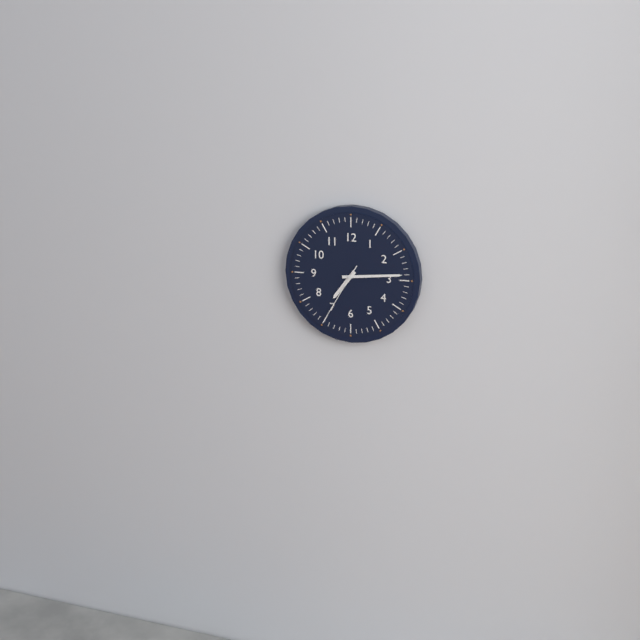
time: **7:14:35**
